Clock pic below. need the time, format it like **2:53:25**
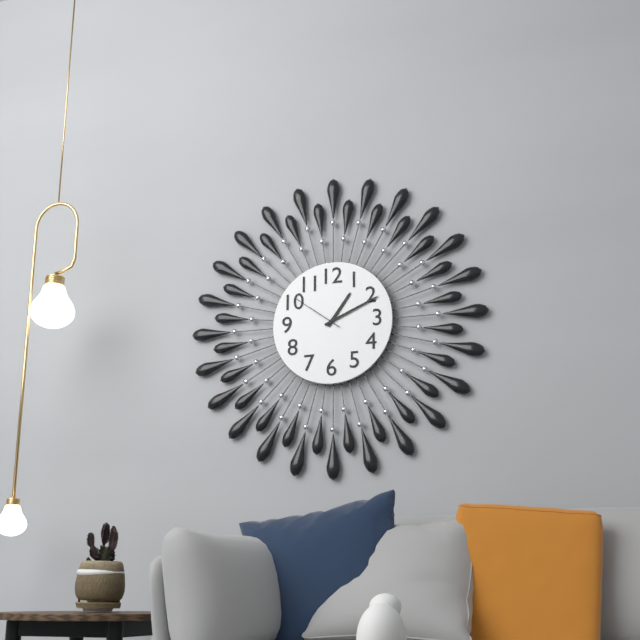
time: **1:11:51**
